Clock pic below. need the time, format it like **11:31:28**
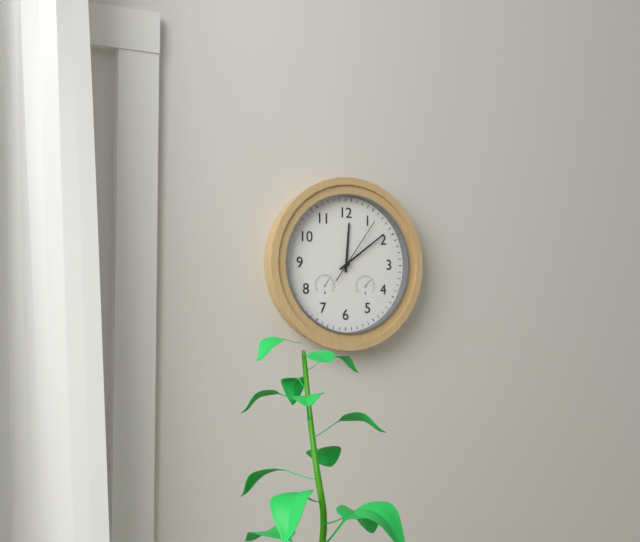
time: **12:09:06**
